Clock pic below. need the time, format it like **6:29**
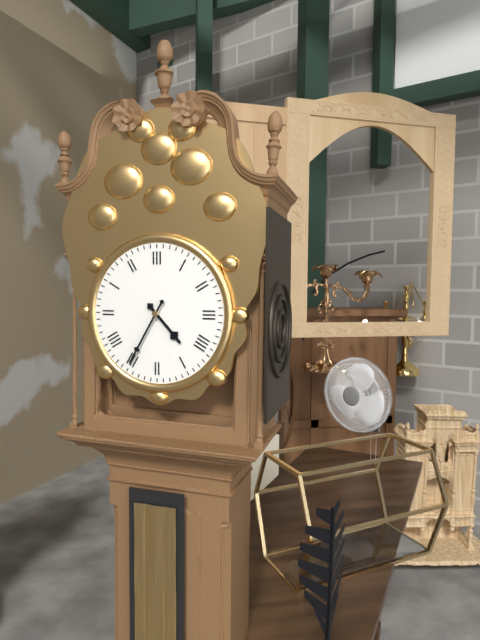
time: **4:35**
